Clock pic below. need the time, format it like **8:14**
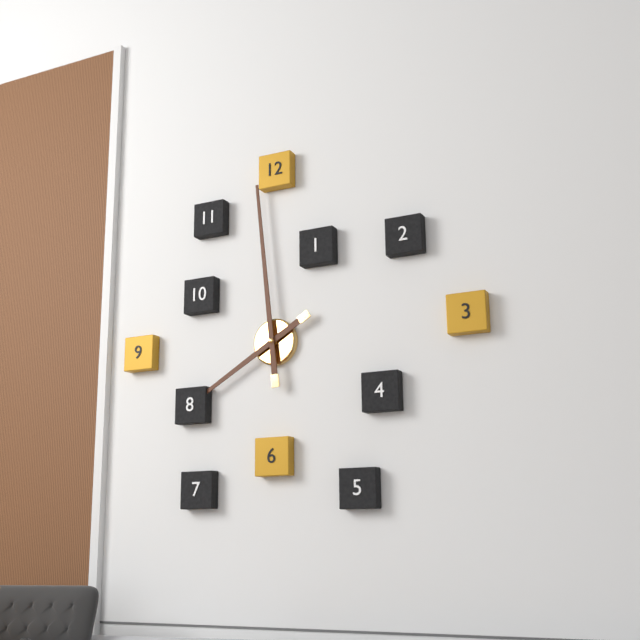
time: **7:59**
